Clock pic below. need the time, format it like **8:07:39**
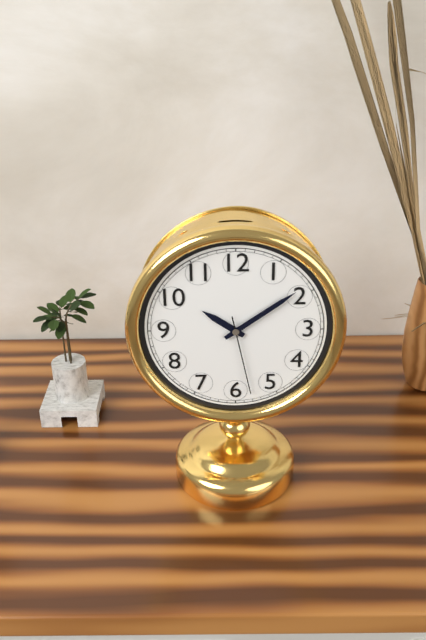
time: **10:09:28**
